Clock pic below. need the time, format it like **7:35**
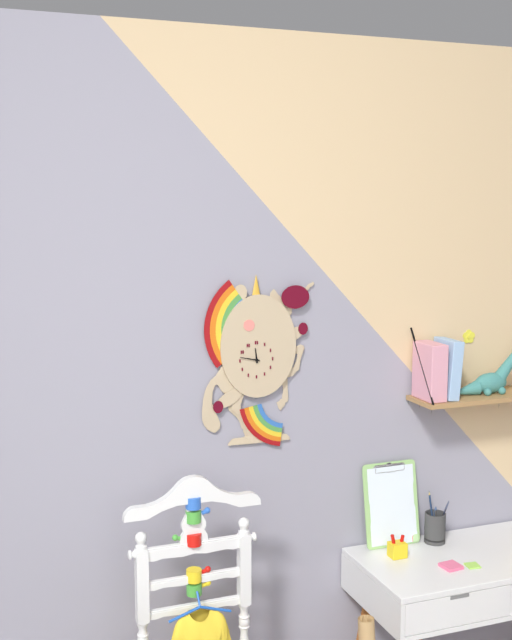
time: **11:47**
